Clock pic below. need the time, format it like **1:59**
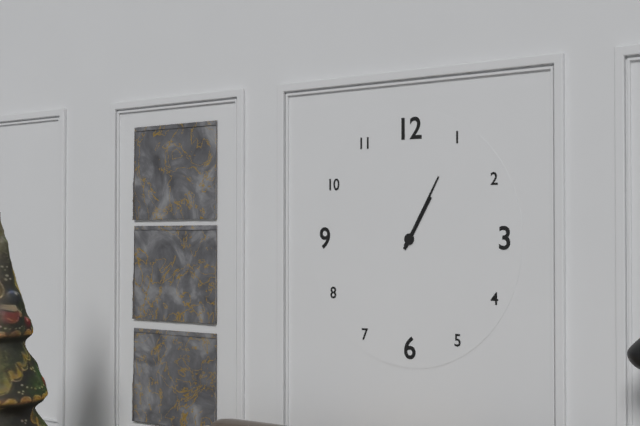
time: **1:05**
